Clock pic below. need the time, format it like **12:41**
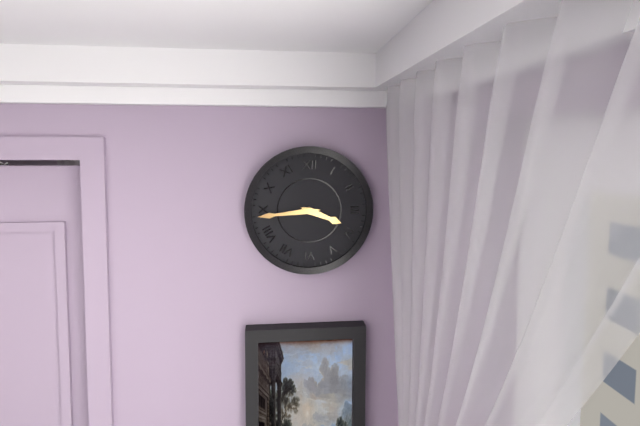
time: **3:44**
